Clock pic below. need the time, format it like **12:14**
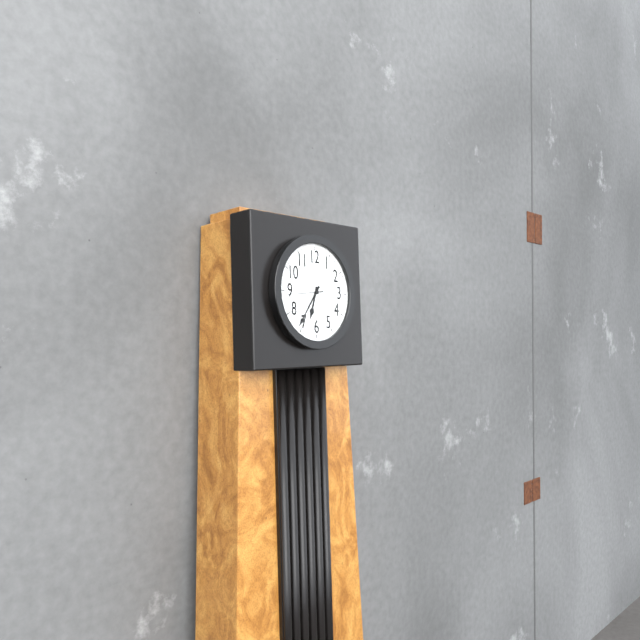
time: **6:36**
